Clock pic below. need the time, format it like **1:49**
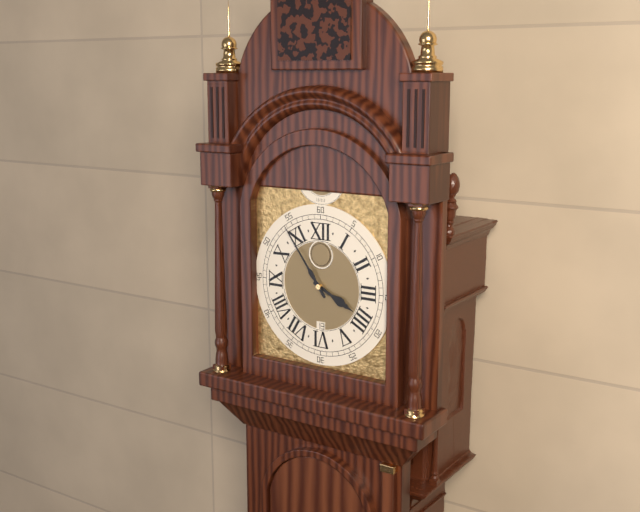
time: **3:54**
